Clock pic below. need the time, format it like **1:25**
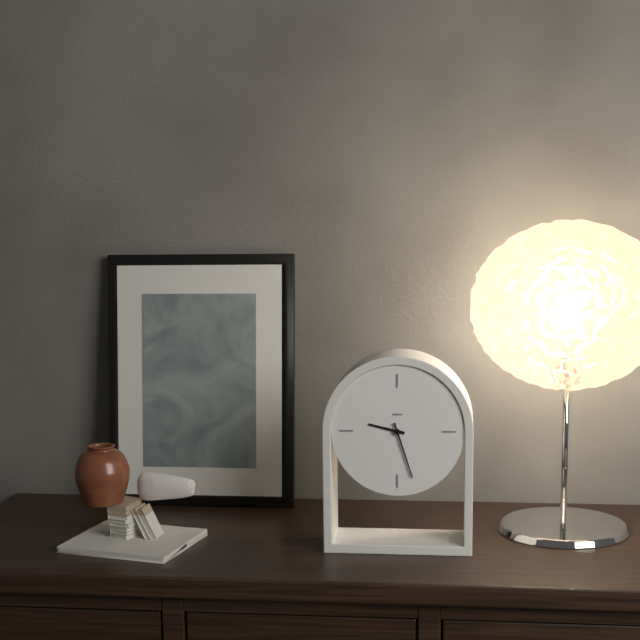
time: **9:27**
